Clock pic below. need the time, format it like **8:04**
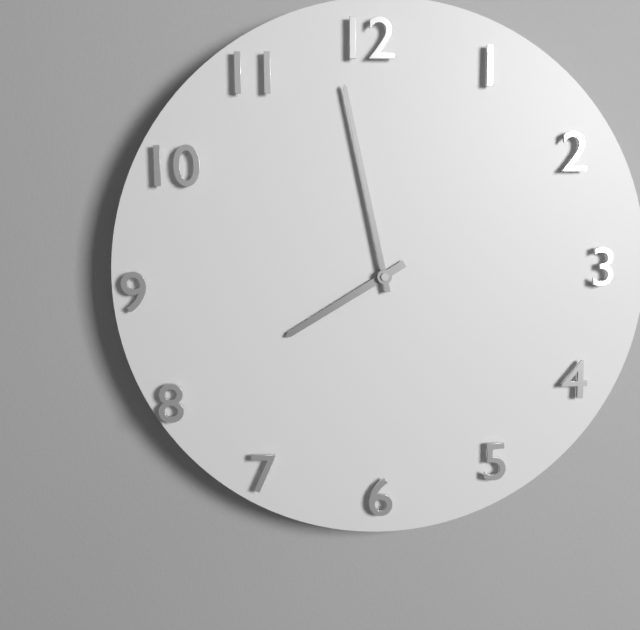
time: **7:58**
